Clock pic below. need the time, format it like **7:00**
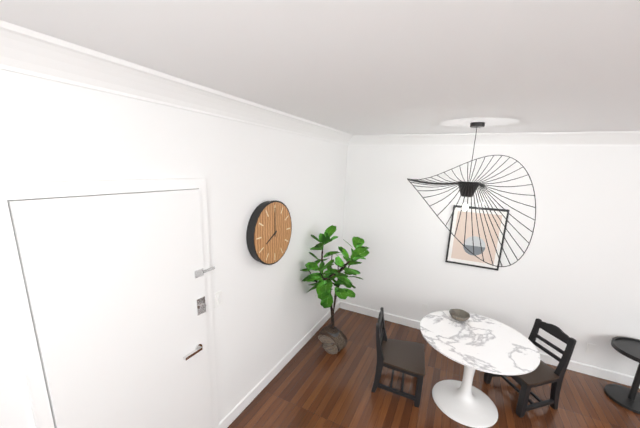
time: **8:00**
